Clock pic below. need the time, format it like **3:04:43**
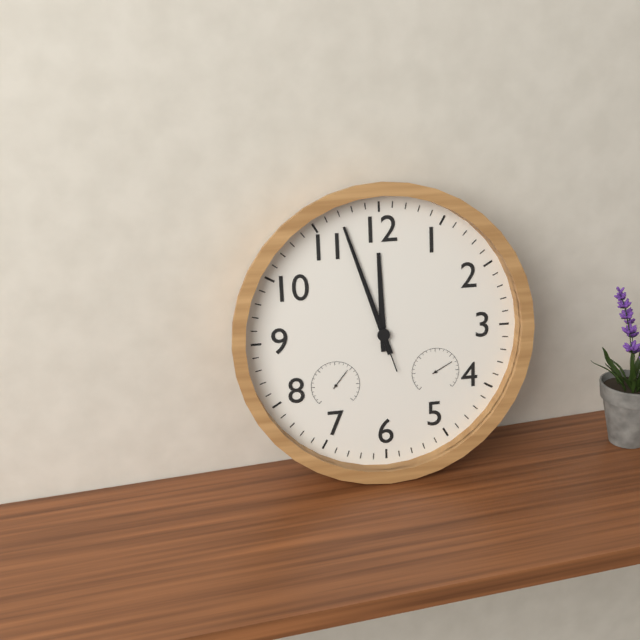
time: **11:57:57**
